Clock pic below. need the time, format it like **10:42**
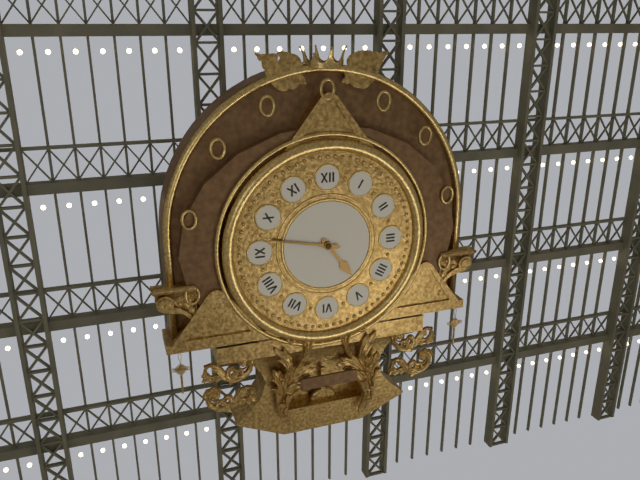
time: **4:47**
